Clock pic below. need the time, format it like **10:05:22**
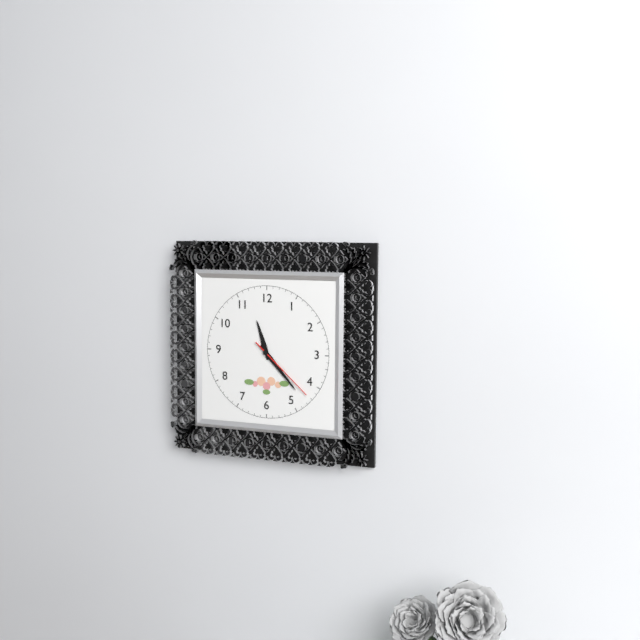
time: **11:23:22**
